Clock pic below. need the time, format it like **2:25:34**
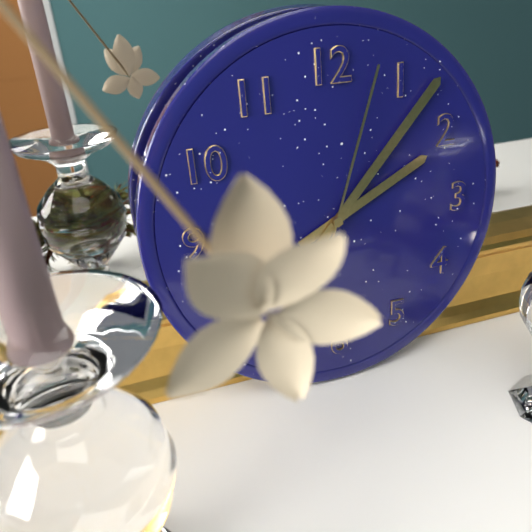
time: **2:07:03**
